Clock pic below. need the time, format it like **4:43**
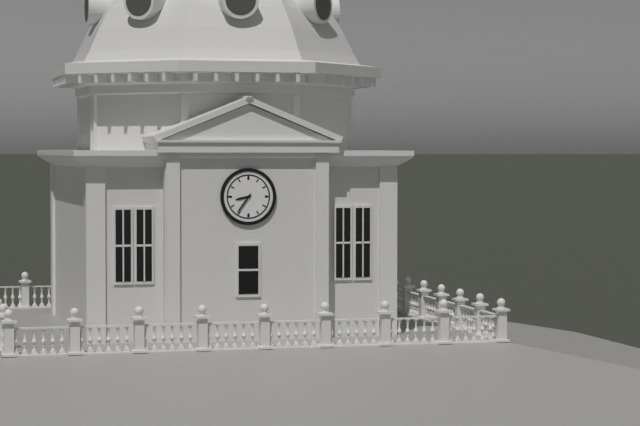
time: **8:36**
